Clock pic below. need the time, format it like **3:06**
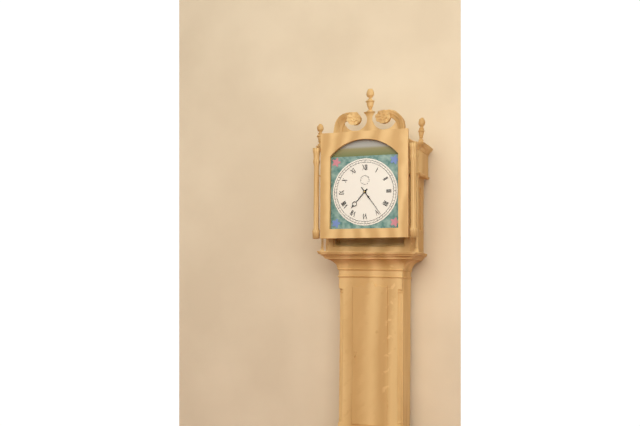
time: **7:24**
